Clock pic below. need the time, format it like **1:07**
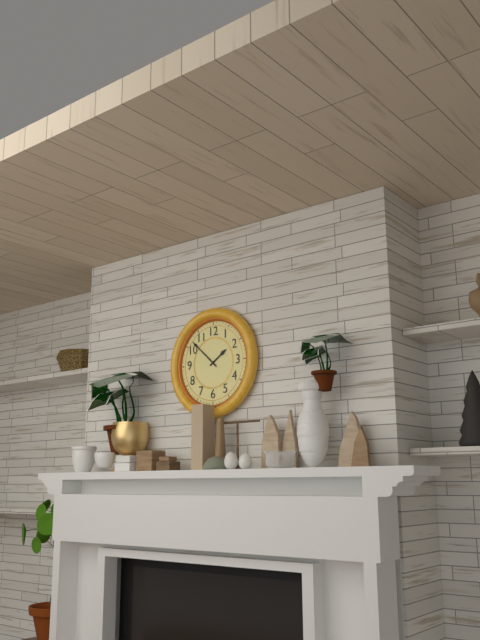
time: **1:52**
